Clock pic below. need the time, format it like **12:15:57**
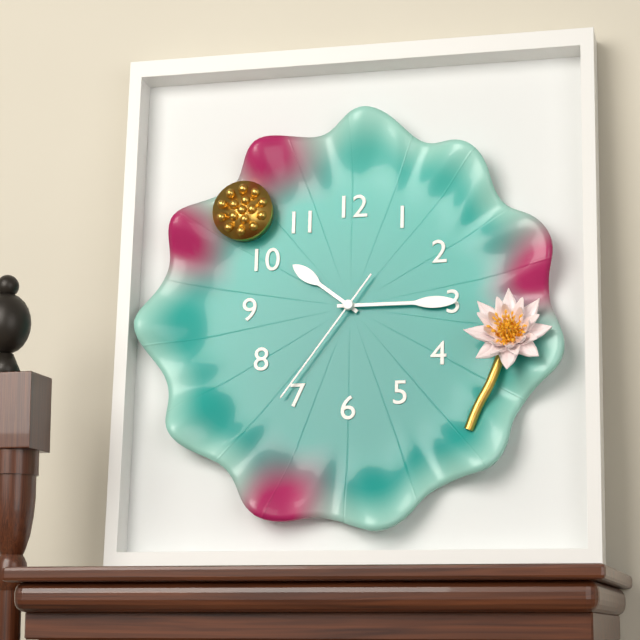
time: **10:15:36**
